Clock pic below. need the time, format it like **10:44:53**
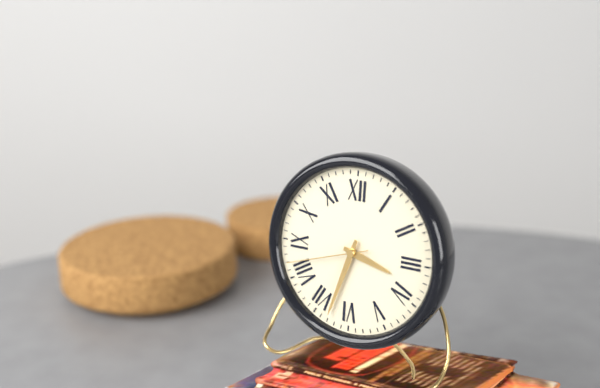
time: **3:33:42**
